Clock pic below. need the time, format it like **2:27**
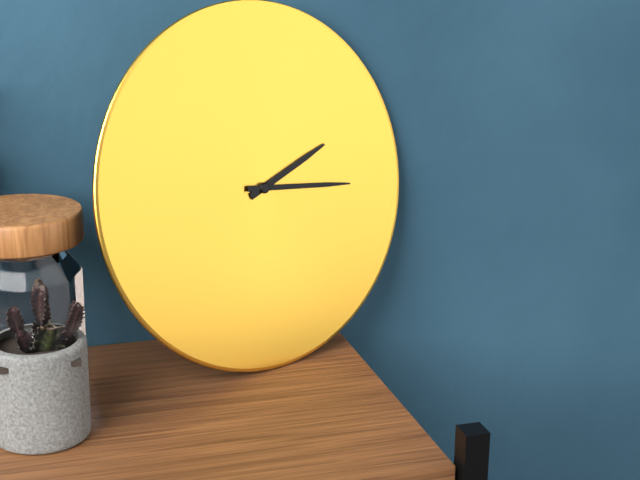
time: **2:16**
